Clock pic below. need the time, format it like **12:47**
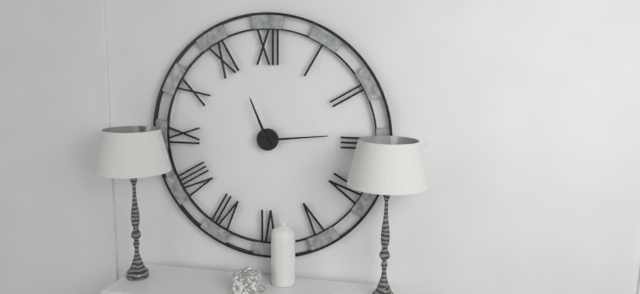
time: **11:14**
